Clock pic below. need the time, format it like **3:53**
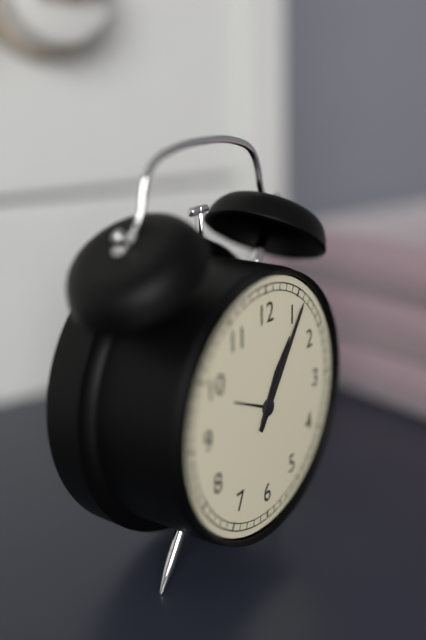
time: **1:06**
